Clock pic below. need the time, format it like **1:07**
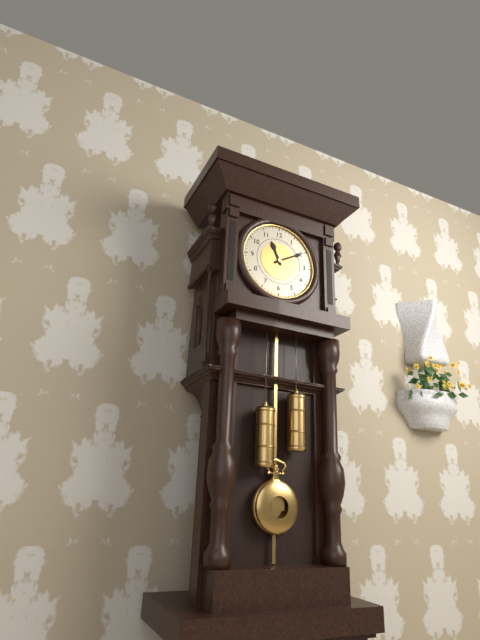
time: **11:10**
